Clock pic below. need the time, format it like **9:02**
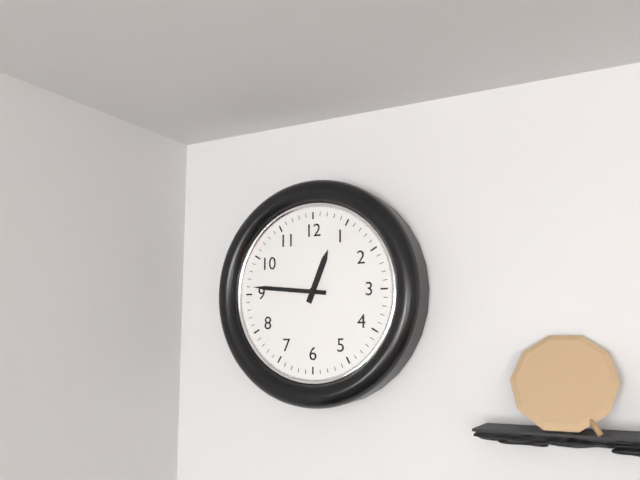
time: **12:46**
